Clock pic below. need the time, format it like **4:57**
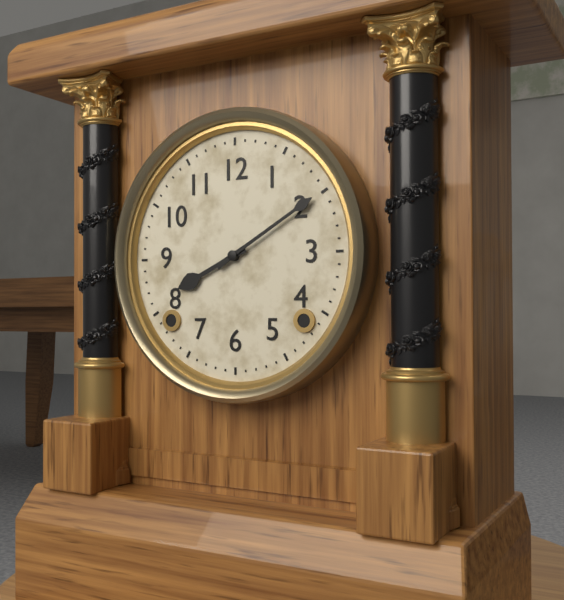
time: **8:10**
